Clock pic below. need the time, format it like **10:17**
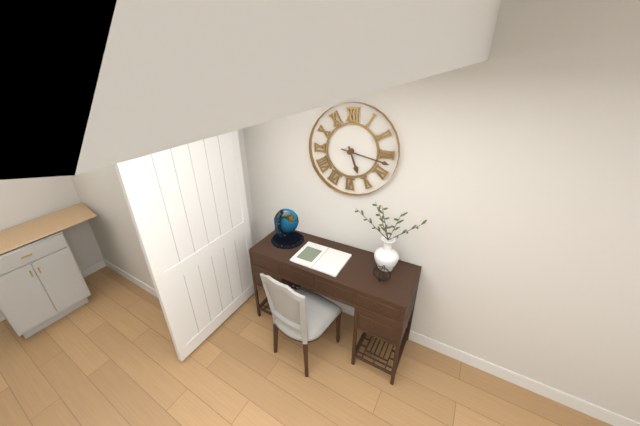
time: **5:17**
